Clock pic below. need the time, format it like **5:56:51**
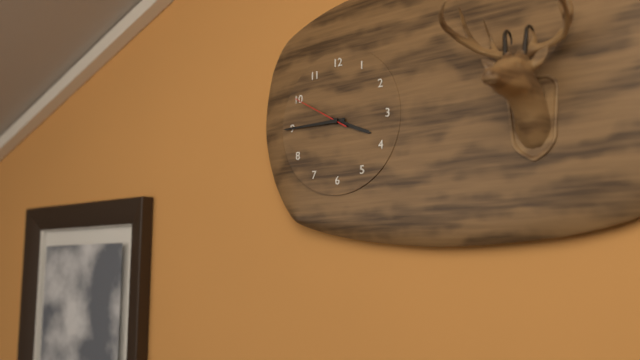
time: **3:45:50**
